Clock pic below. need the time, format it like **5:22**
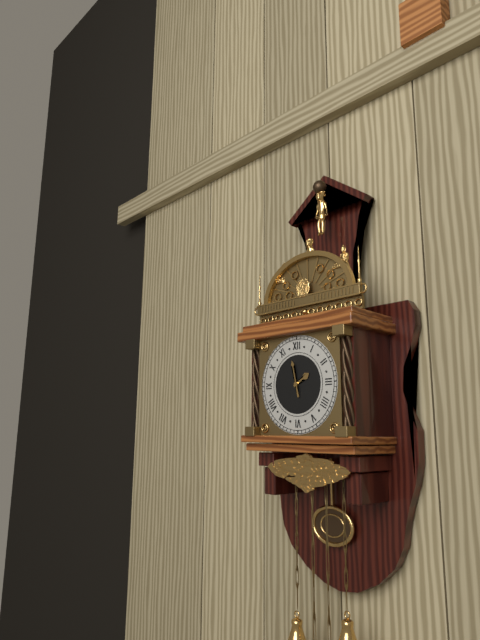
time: **1:58**
